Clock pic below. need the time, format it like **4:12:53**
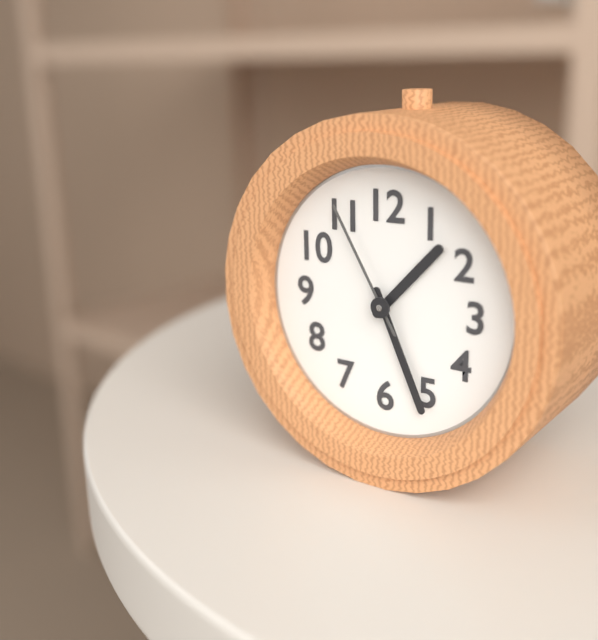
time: **1:26:55**
